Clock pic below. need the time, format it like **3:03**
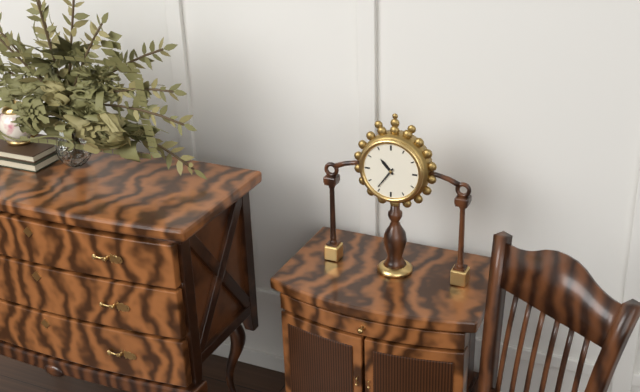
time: **10:36**
